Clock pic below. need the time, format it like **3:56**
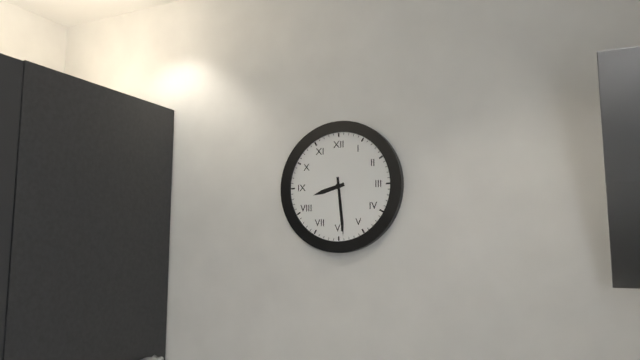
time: **8:29**
